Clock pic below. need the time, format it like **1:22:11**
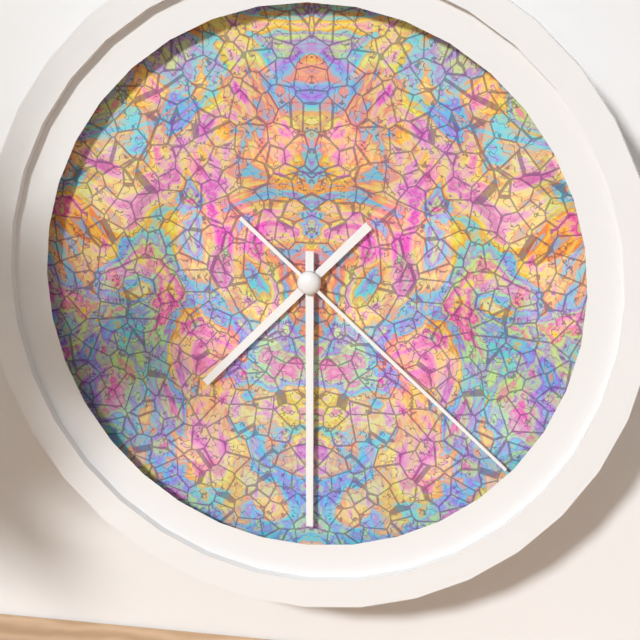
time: **7:30:22**
